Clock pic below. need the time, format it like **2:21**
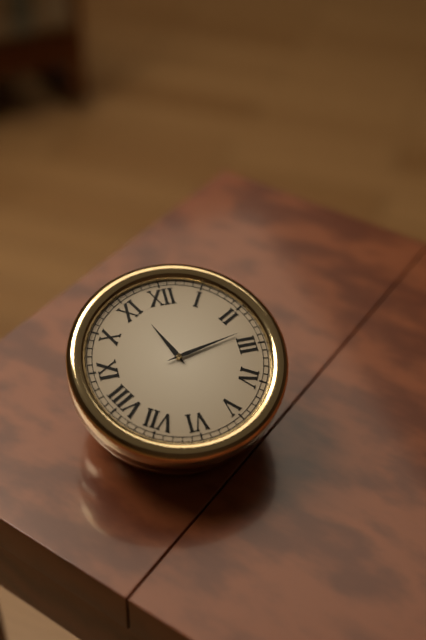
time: **11:13**
